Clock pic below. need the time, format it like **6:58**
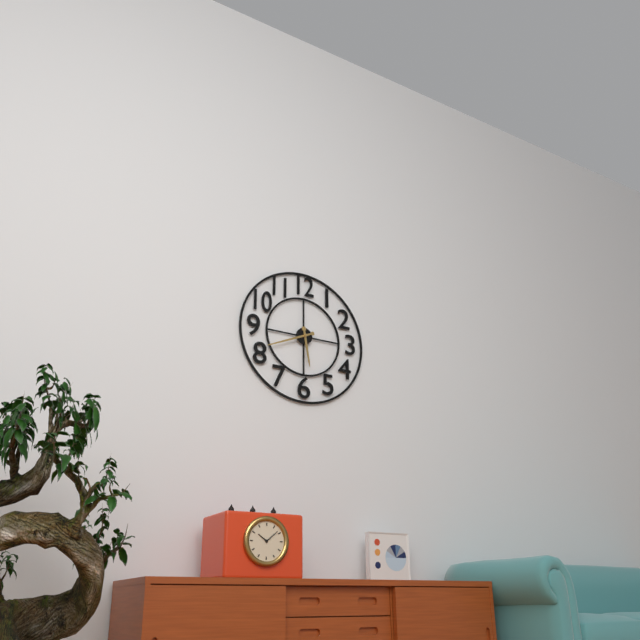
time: **5:41**
